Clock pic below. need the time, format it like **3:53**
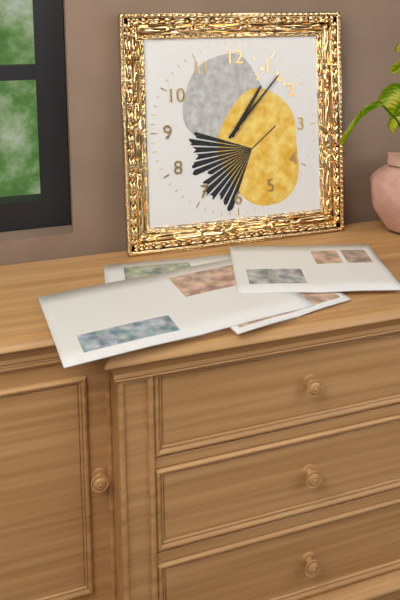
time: **1:07**
